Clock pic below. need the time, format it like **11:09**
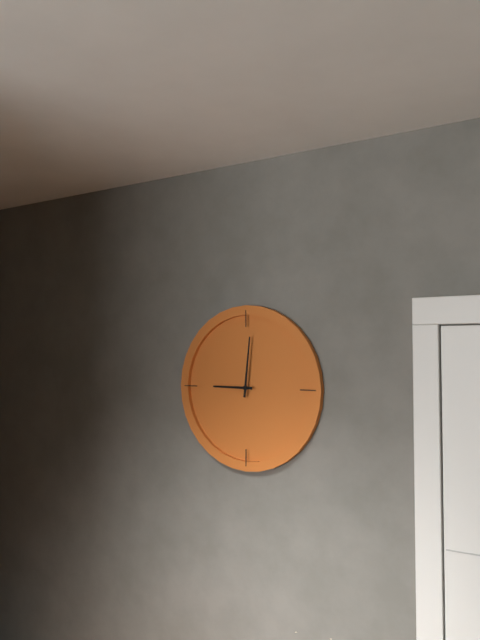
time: **9:01**
